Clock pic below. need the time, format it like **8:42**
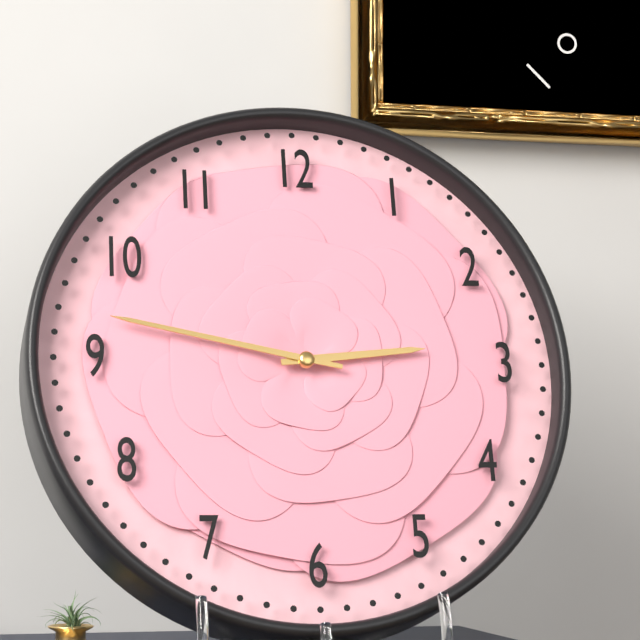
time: **2:47**
